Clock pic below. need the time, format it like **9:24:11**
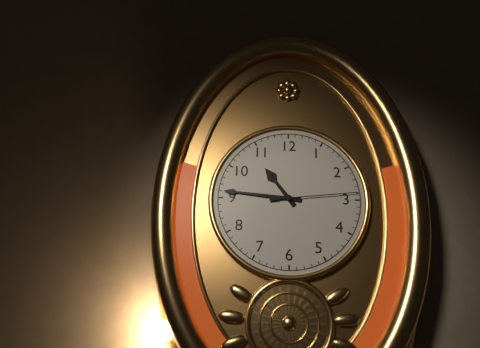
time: **10:46:14**
